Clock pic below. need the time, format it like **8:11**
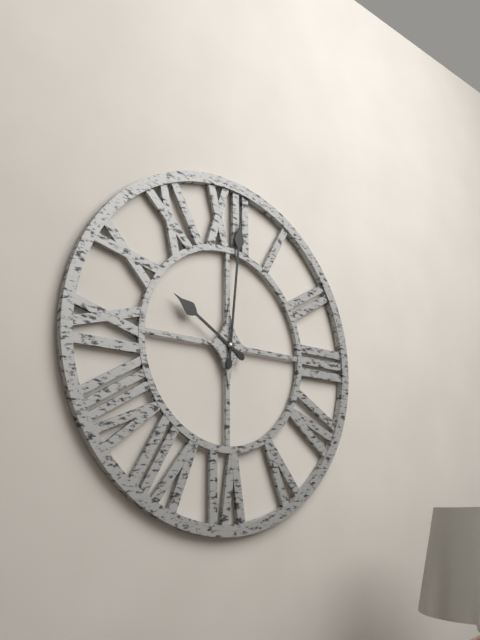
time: **10:01**
